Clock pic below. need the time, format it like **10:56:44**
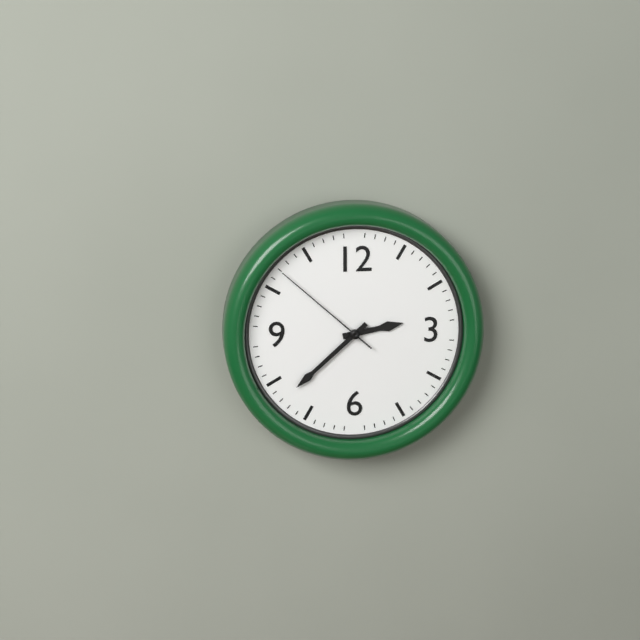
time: **2:38:52**
